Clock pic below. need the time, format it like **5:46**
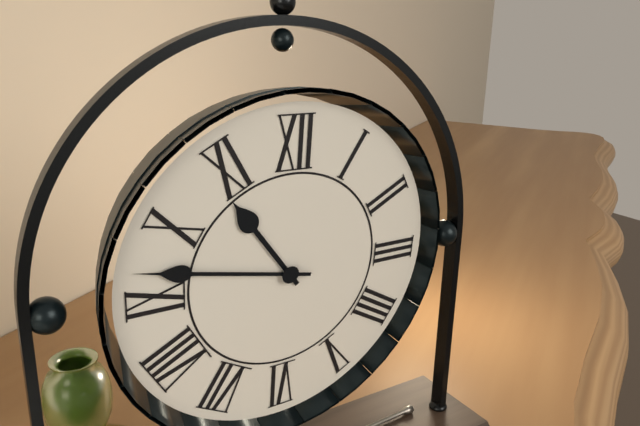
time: **10:47**
